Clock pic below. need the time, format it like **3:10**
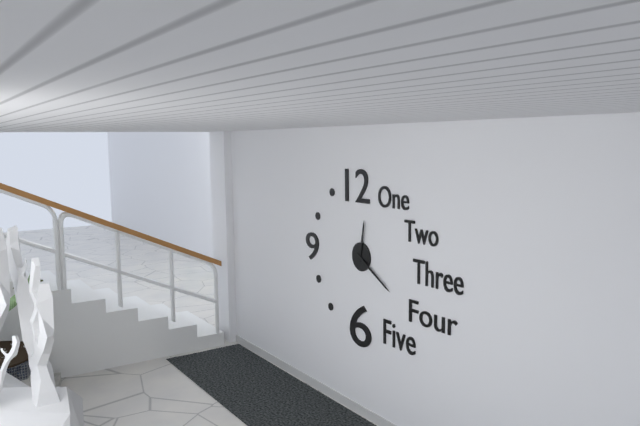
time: **12:20**
